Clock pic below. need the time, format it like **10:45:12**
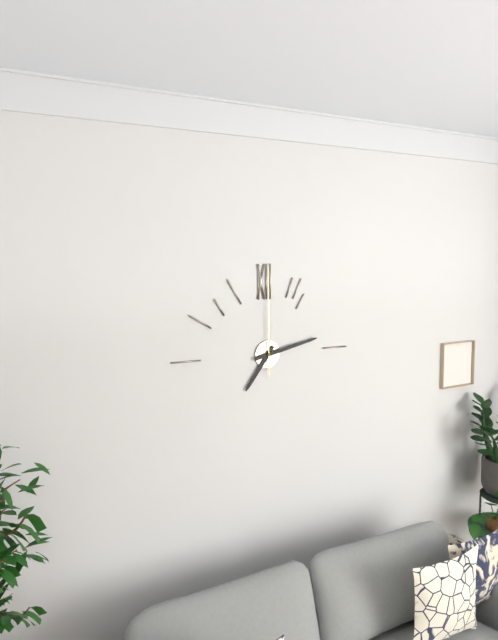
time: **7:13:00**
